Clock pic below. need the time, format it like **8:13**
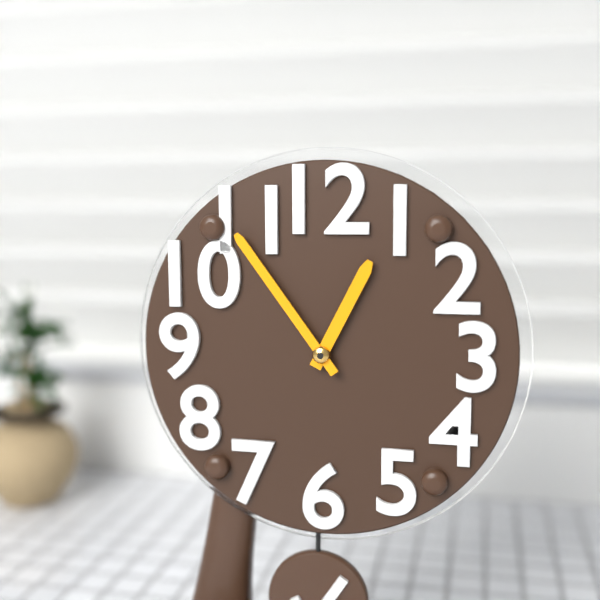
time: **12:54**
